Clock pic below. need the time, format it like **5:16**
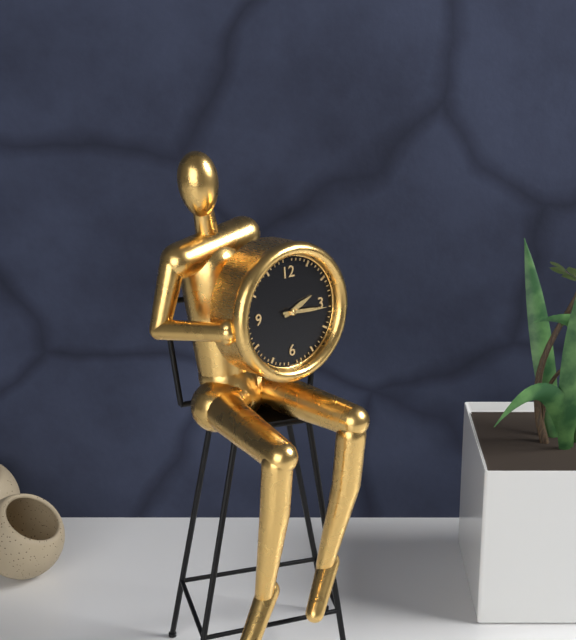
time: **2:16**
